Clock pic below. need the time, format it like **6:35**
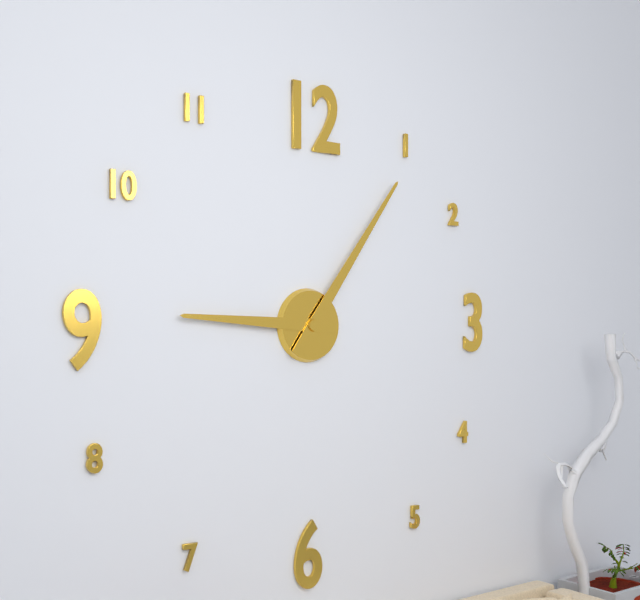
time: **9:06**
